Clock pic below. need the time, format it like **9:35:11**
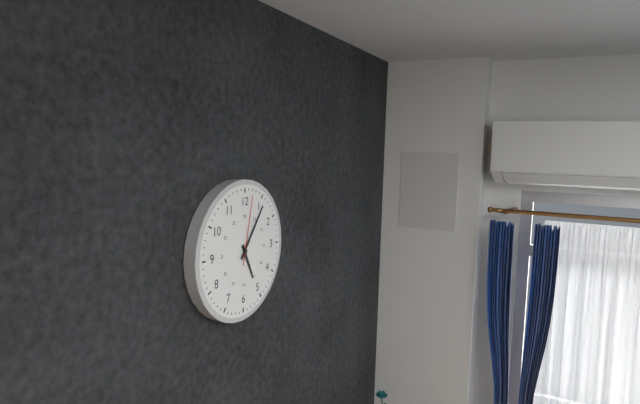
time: **5:06:02**
